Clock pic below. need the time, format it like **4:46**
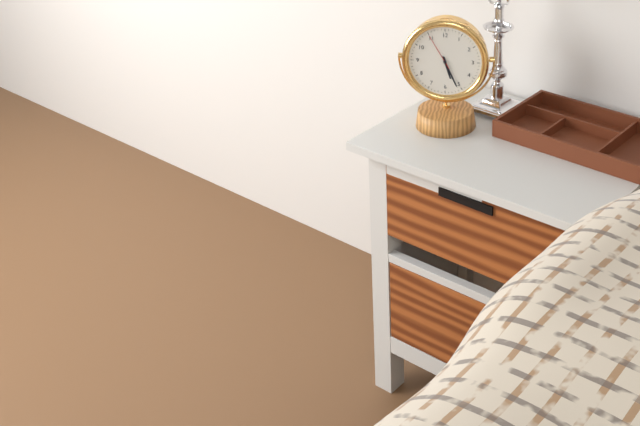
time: **5:26**
